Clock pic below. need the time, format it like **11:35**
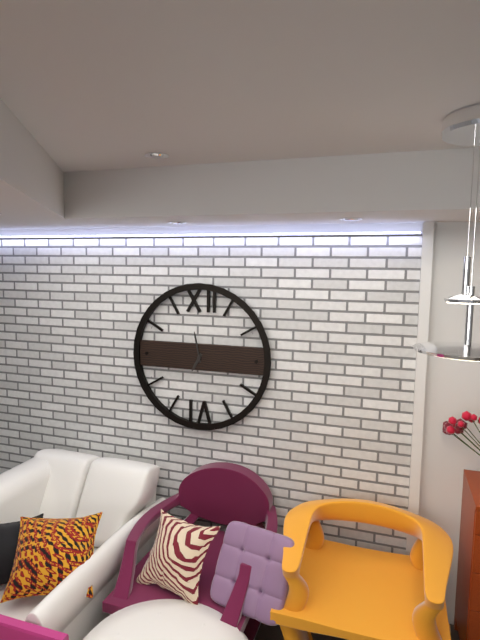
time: **6:58**
